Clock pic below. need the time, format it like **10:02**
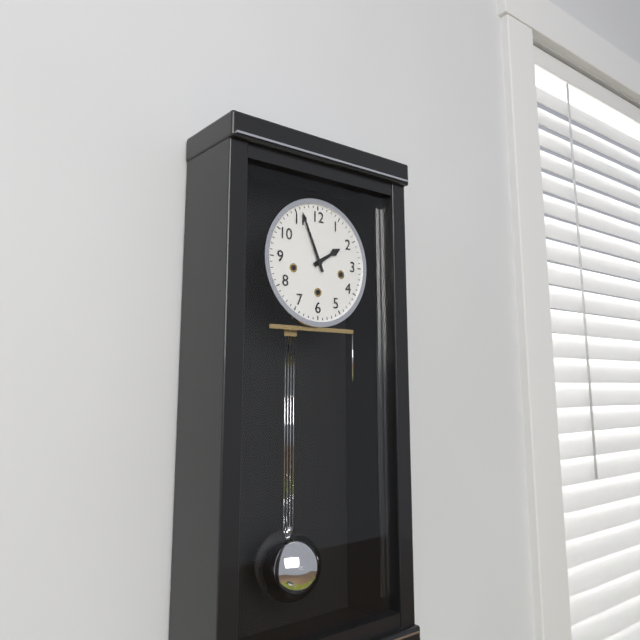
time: **1:56**
